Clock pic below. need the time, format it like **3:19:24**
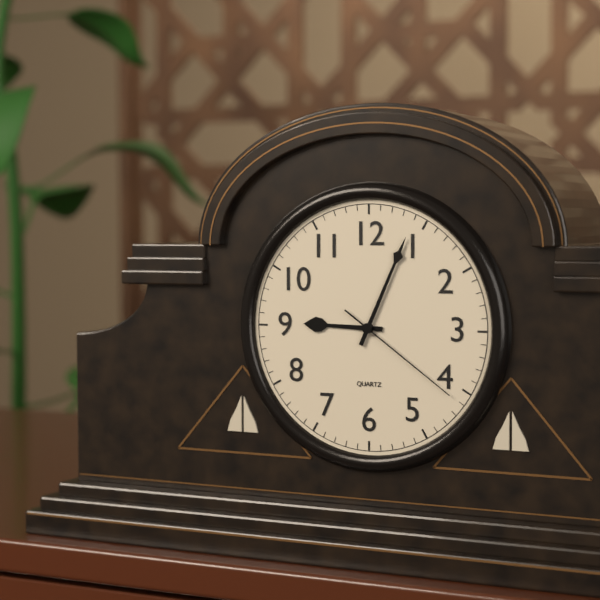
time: **9:04:21**
